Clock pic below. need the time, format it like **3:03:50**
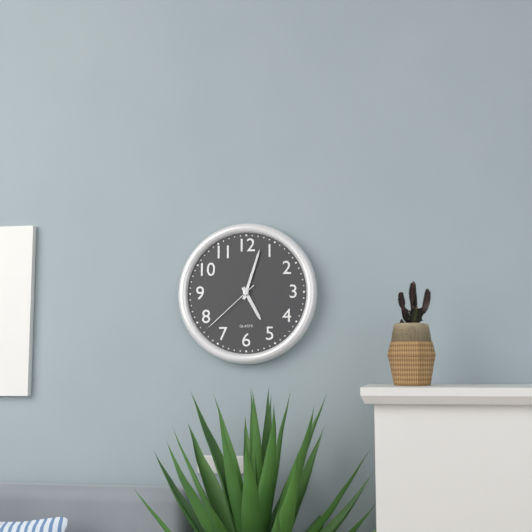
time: **5:03:38**
